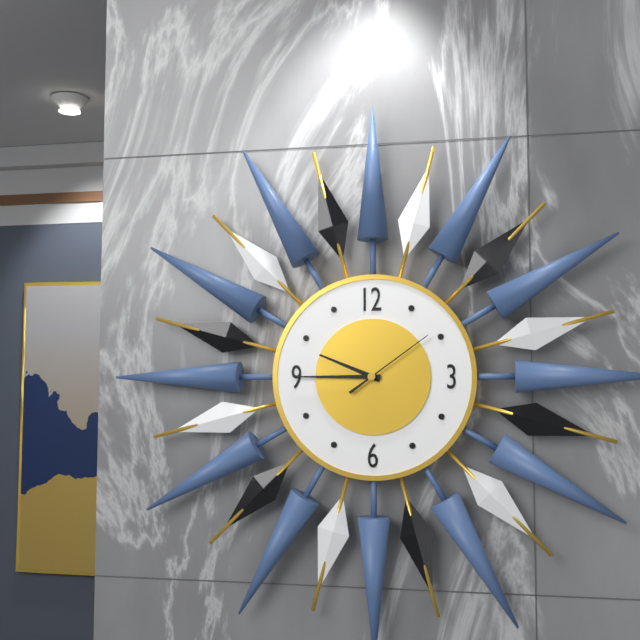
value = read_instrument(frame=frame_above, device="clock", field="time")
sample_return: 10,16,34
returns 9,45,09
